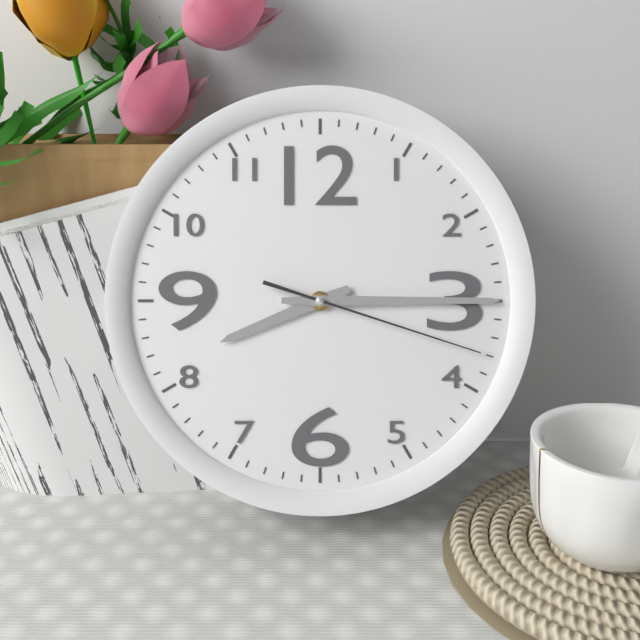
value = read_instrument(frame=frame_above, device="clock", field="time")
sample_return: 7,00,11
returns 8,15,18
